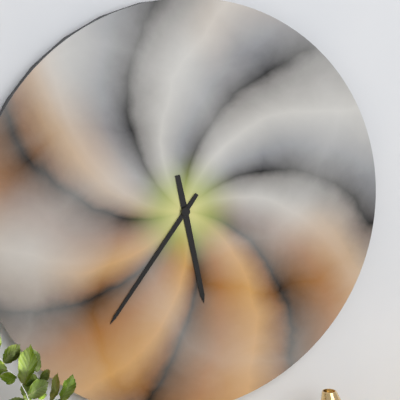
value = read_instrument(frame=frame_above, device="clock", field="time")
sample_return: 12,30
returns 5,36
